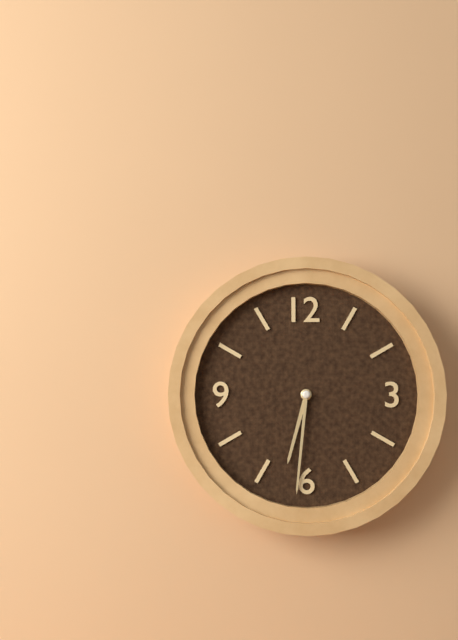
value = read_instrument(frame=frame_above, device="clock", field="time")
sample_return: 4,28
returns 6,31
